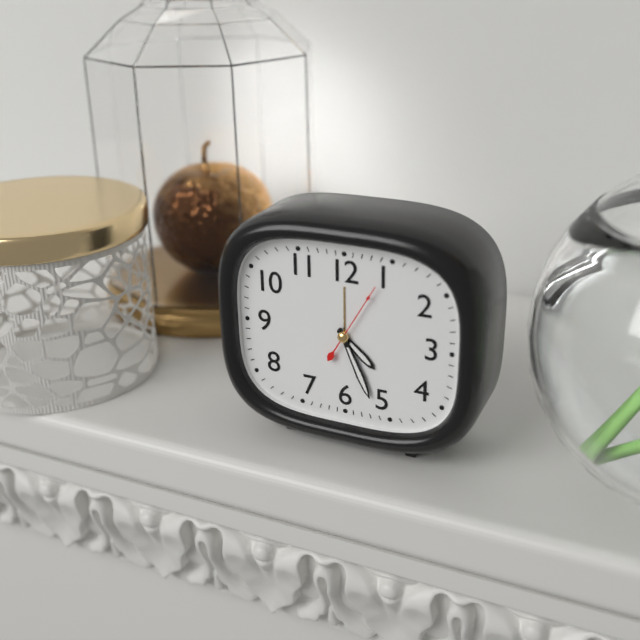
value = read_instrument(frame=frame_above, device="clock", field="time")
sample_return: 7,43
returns 4,26
